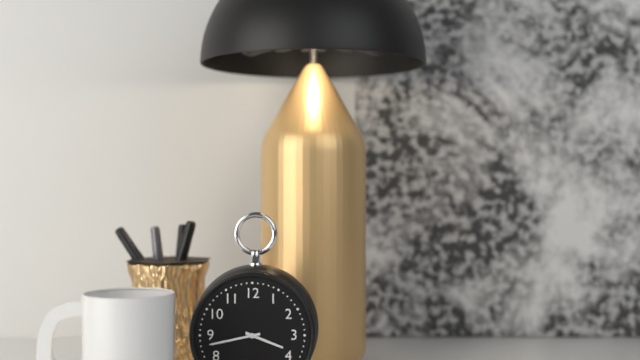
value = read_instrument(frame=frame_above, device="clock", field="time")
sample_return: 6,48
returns 3,43
